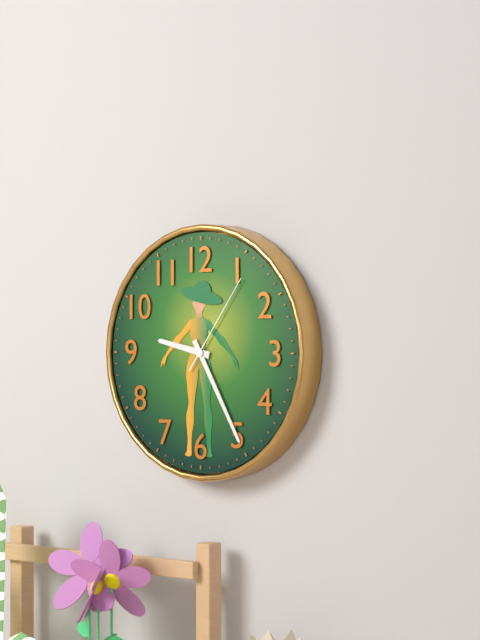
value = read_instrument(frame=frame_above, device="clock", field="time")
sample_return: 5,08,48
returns 9,25,06
